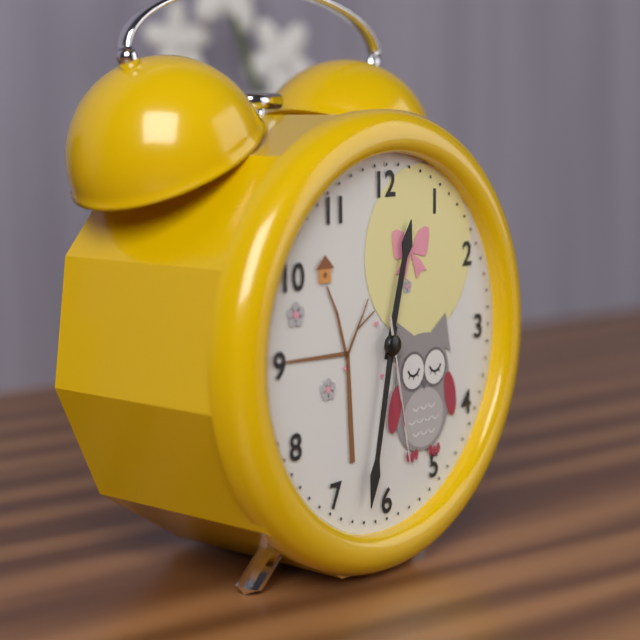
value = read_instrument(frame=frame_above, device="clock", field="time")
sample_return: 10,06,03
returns 12,32,28
